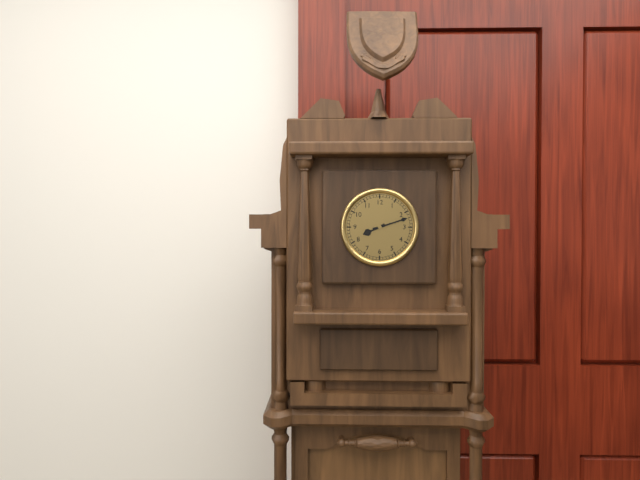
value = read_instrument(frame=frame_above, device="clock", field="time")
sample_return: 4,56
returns 8,12
